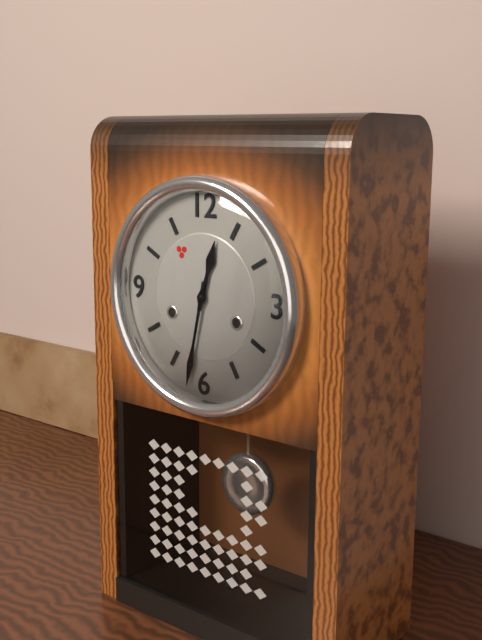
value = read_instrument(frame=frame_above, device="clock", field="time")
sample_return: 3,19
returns 12,32
